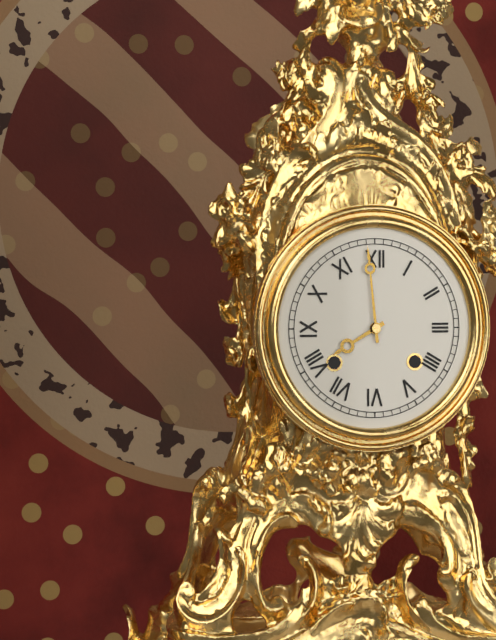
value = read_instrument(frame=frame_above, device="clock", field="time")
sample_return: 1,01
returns 7,59
